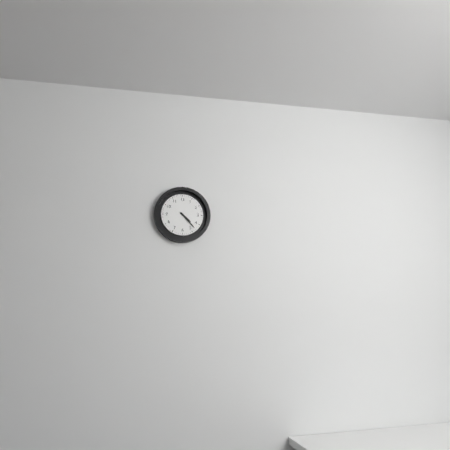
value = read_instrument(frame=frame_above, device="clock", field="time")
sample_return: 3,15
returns 4,23
